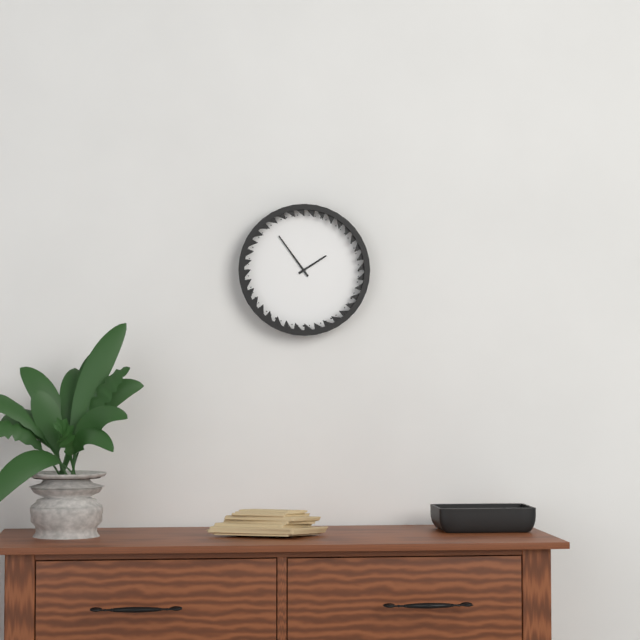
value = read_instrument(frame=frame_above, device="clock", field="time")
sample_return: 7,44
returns 1,54
